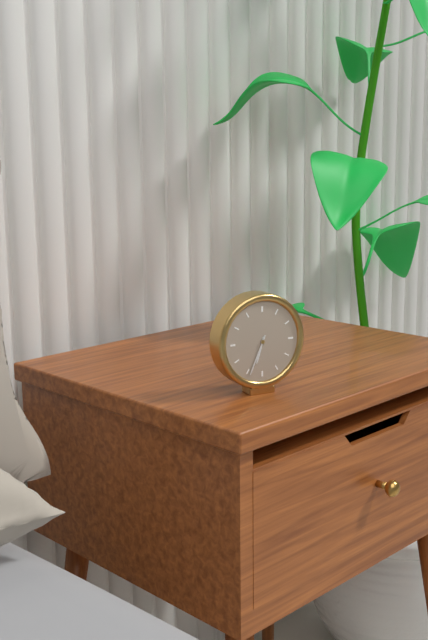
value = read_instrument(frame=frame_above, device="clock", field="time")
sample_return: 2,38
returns 6,34
